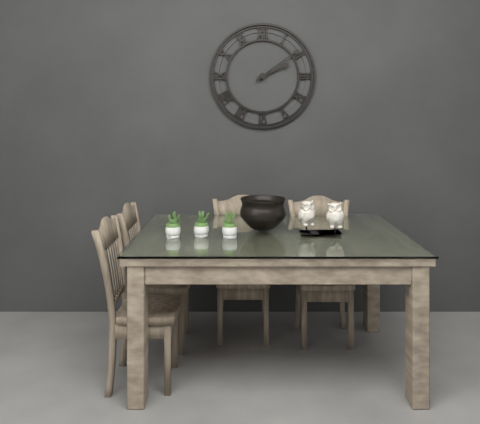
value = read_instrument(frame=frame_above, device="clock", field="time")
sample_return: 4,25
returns 2,09
